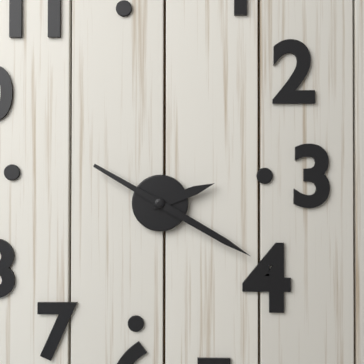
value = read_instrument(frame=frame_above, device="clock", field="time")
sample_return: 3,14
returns 2,20
